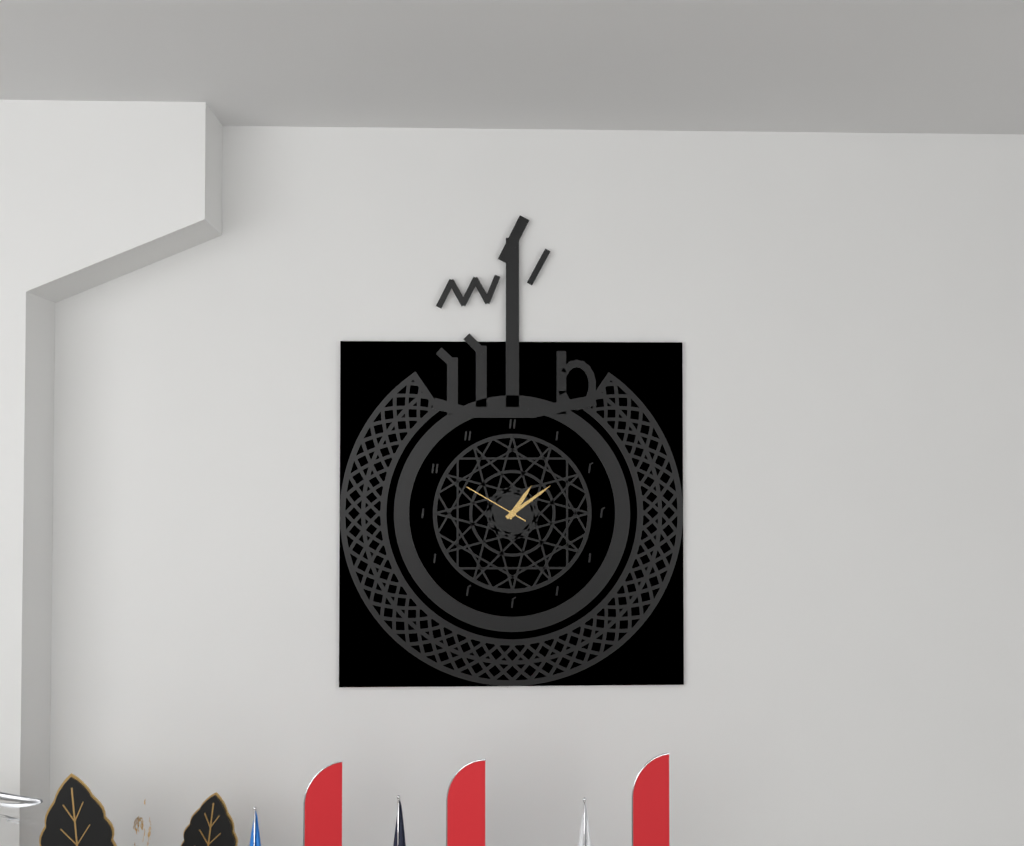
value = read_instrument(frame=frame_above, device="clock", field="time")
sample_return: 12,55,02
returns 1,09,50
